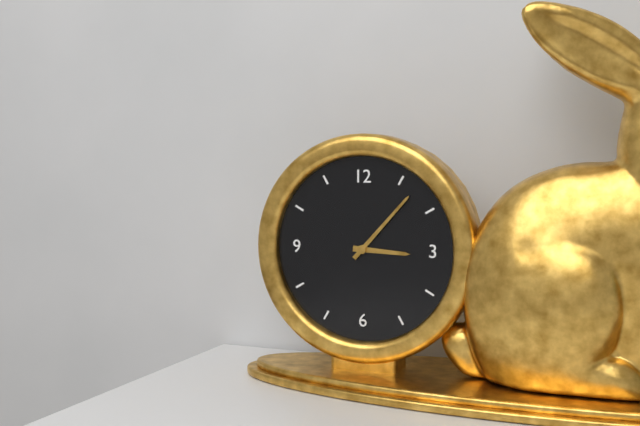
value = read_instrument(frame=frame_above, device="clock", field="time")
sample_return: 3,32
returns 3,07
